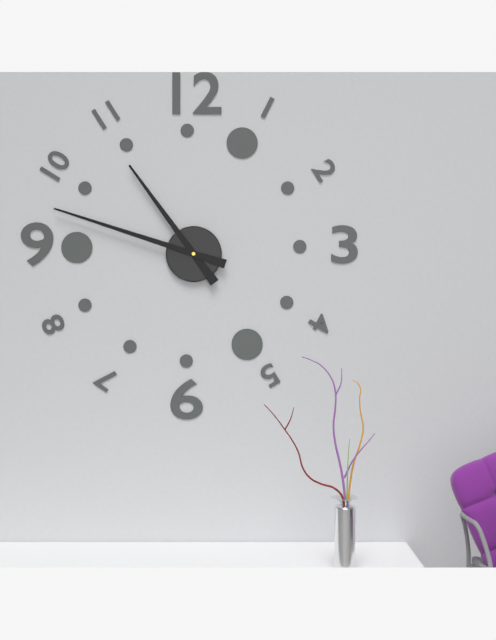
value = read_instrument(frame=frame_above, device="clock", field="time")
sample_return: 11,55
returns 10,48
